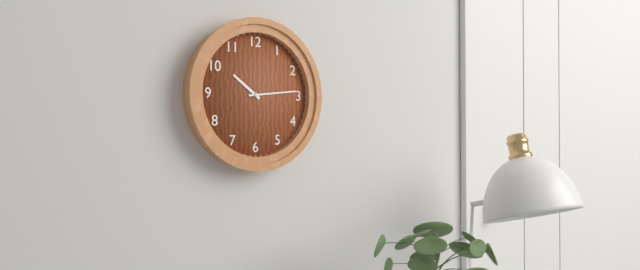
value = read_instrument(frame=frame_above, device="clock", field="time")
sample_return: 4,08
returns 10,14
